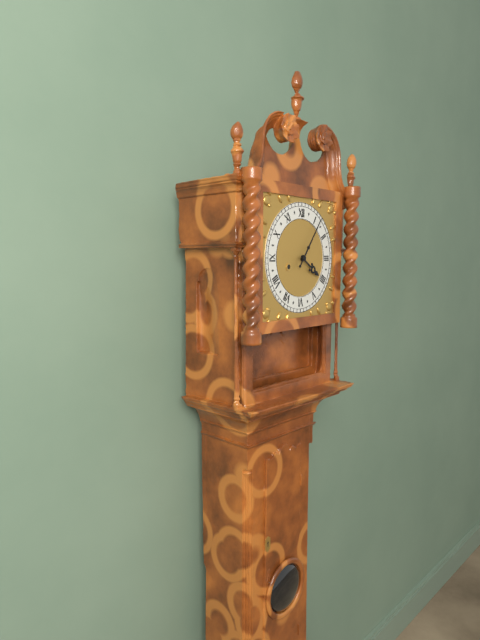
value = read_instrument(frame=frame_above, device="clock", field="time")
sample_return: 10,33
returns 4,06
